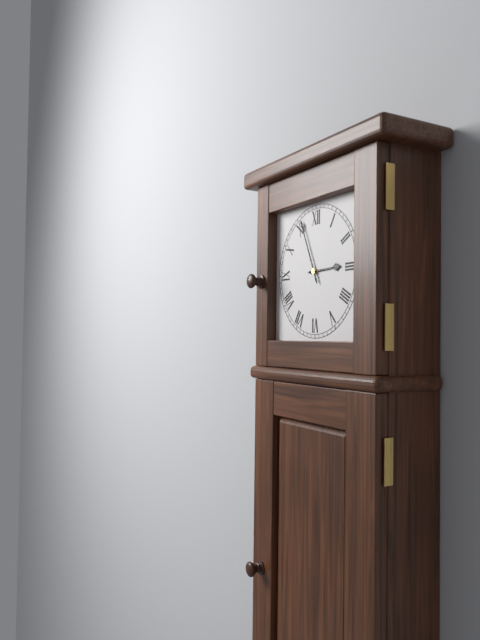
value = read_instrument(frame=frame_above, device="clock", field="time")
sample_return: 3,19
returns 2,56
